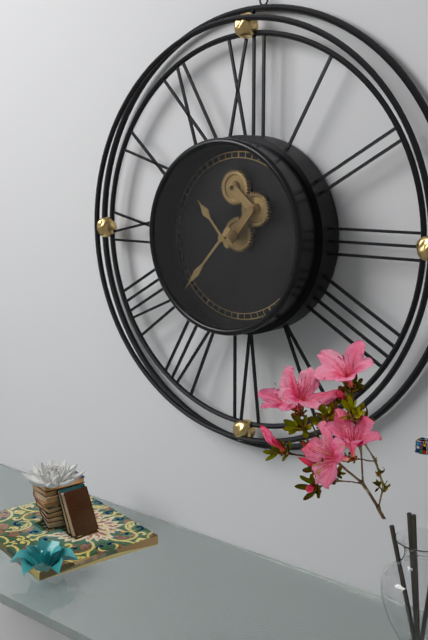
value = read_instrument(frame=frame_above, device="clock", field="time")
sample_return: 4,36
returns 10,37
